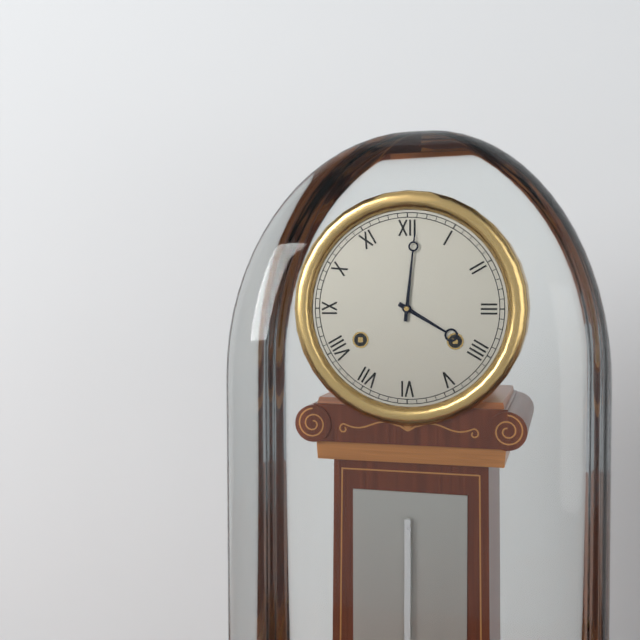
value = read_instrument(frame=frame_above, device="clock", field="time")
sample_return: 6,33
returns 4,01
